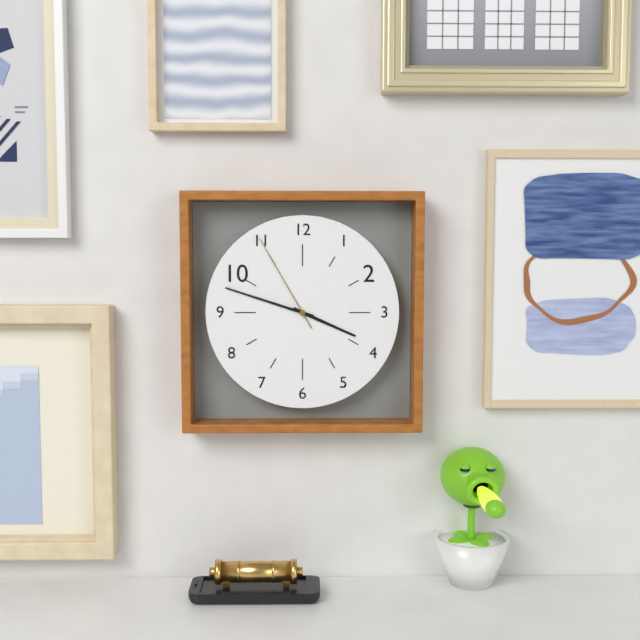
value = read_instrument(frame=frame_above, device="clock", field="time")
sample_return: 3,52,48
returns 3,48,55
